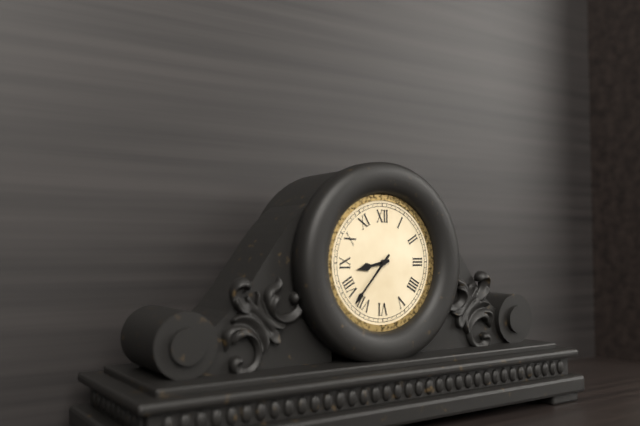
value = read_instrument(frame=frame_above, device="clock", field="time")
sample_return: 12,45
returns 8,37
